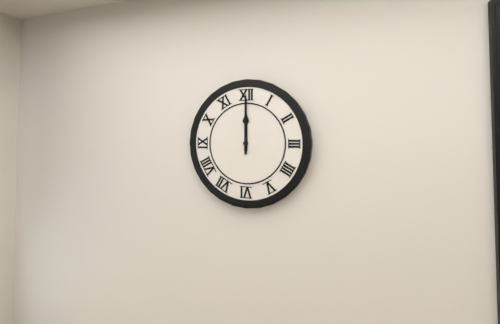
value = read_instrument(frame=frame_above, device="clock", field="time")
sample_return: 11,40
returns 12,00
